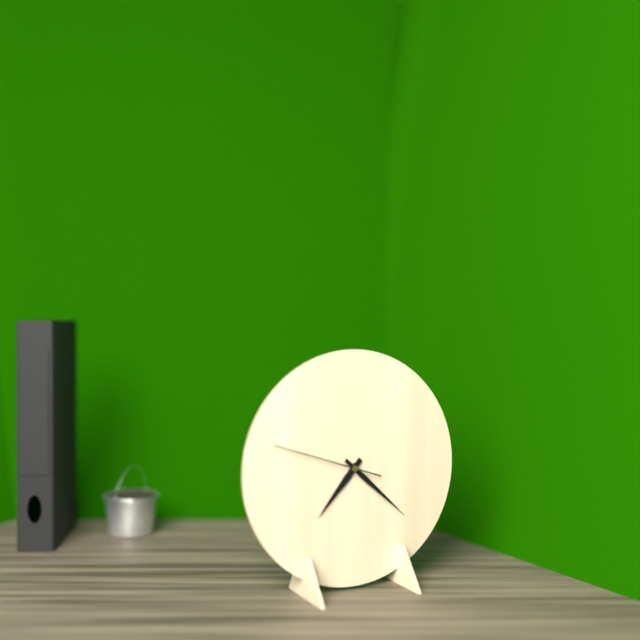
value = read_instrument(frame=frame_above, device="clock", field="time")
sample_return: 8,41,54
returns 7,22,48
